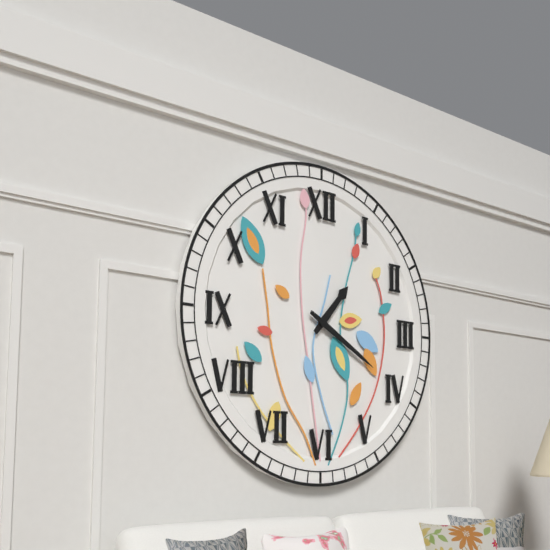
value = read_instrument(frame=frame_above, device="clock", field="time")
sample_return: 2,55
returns 1,20
